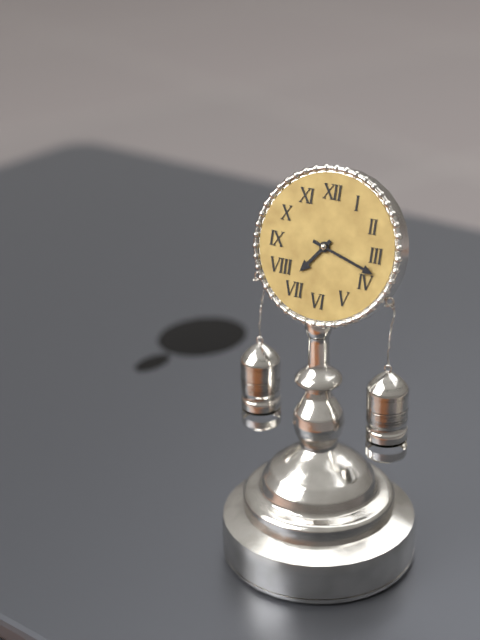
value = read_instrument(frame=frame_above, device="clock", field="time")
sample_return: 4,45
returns 7,18
